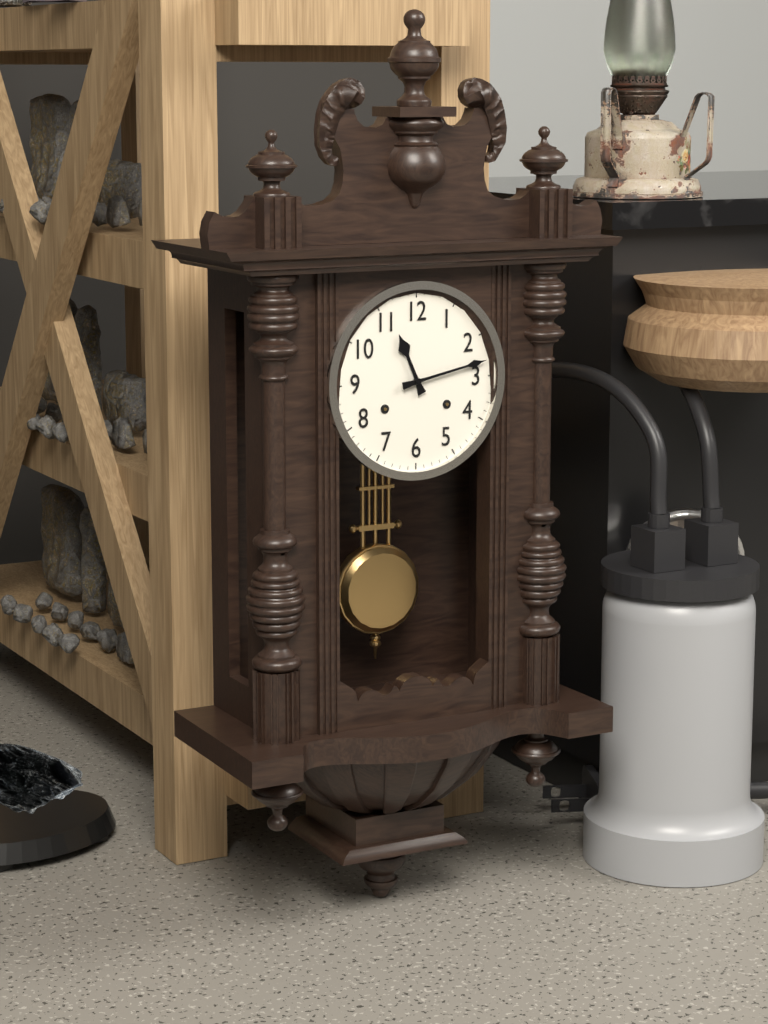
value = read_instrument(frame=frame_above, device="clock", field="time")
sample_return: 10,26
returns 11,13
